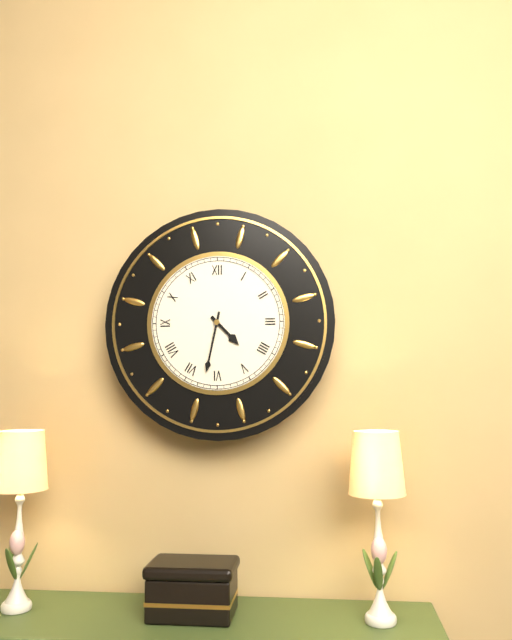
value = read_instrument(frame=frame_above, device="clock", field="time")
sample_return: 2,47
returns 4,32
